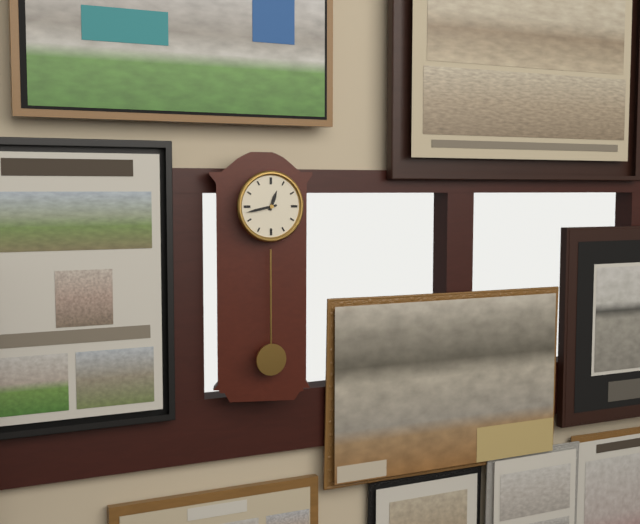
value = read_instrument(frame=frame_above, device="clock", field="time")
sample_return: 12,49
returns 12,43
